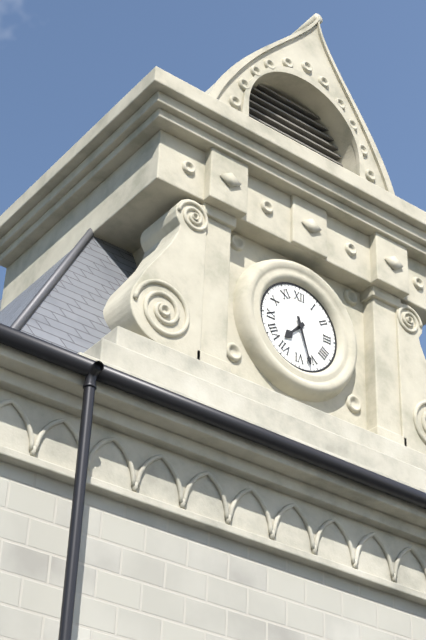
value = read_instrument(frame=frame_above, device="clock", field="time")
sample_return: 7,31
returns 7,27
